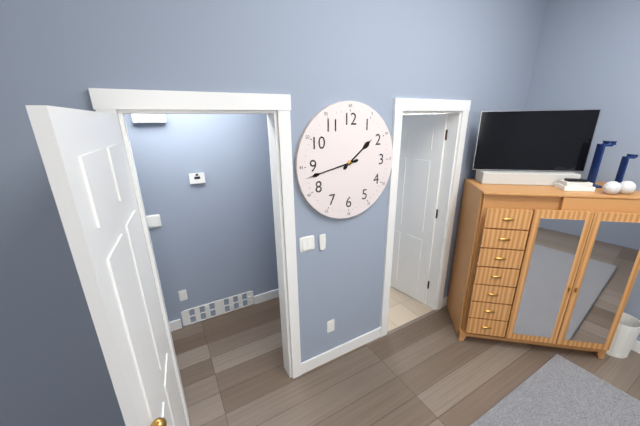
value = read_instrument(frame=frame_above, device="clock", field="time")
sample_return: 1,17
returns 1,43
